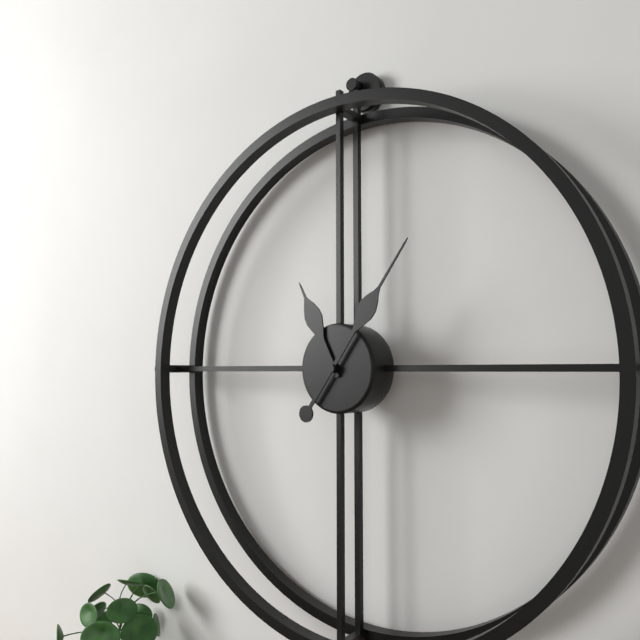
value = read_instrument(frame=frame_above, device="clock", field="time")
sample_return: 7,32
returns 11,06
